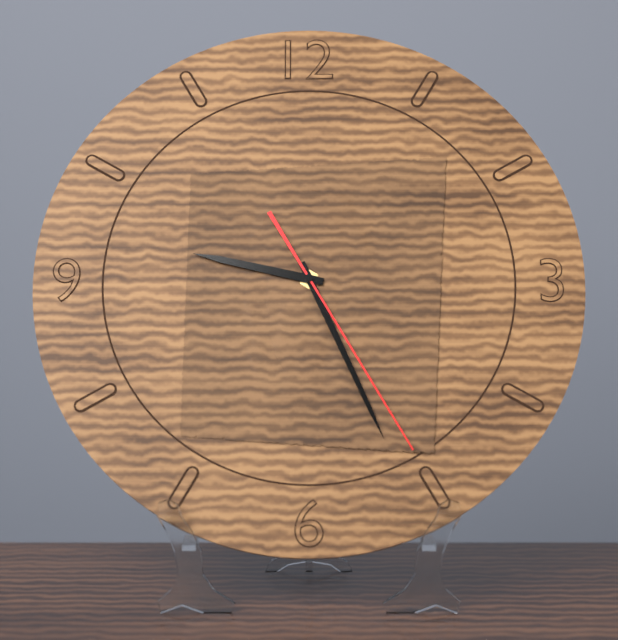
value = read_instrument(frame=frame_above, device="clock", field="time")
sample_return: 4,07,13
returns 9,26,25
